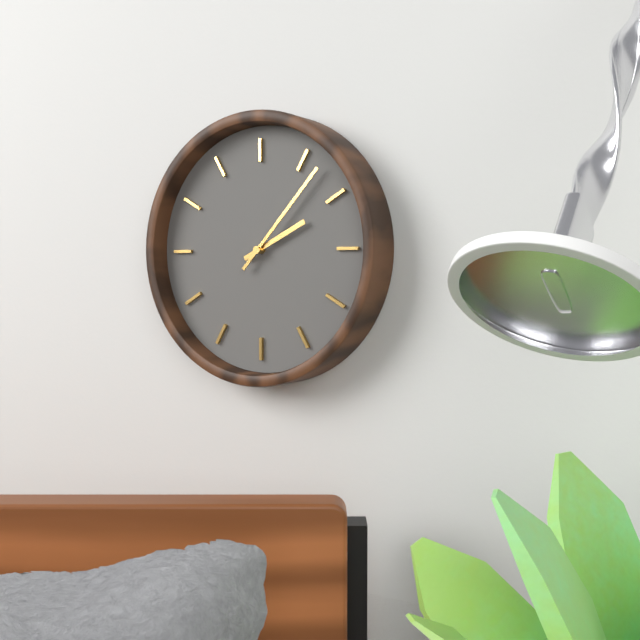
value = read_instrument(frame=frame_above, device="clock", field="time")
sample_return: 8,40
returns 2,07
